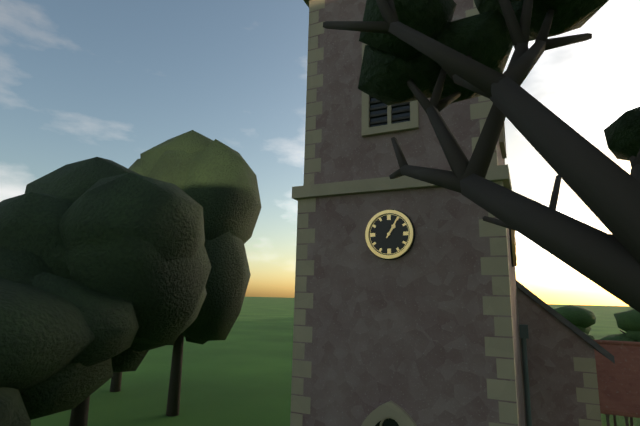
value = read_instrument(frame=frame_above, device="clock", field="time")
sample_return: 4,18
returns 1,05
